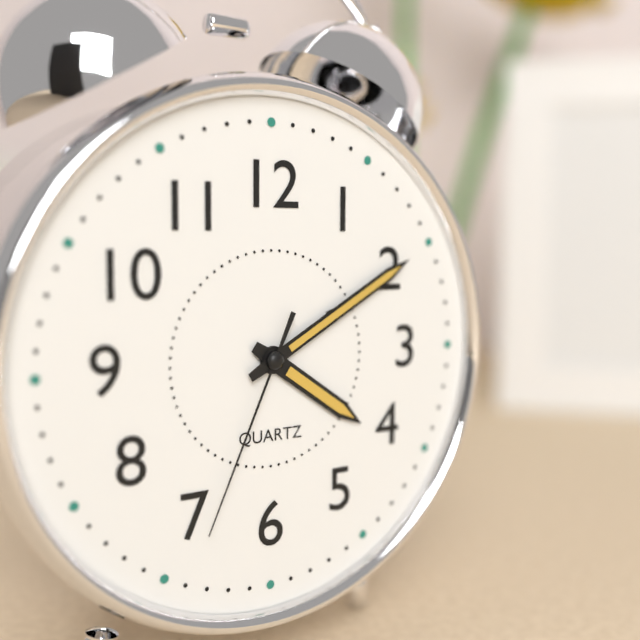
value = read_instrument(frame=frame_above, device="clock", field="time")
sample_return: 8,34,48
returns 4,10,34
